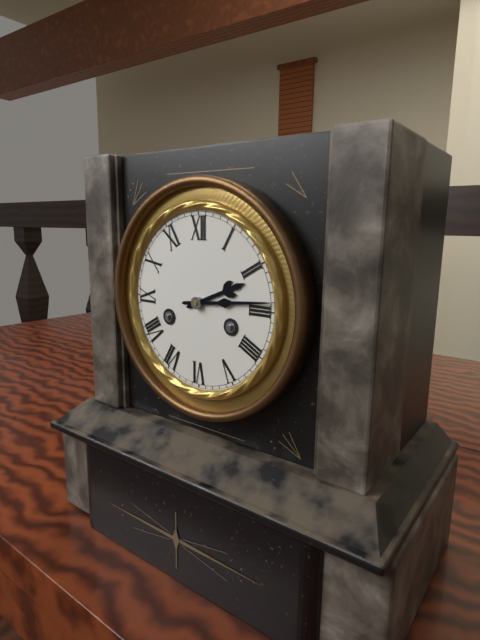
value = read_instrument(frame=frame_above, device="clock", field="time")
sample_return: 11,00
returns 2,14
